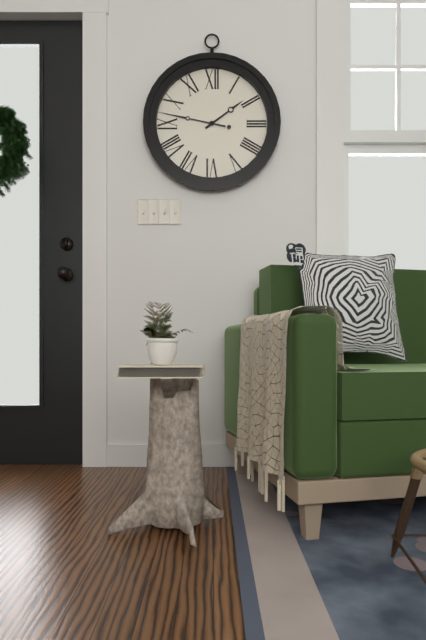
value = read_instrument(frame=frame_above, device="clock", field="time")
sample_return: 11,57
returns 1,47
